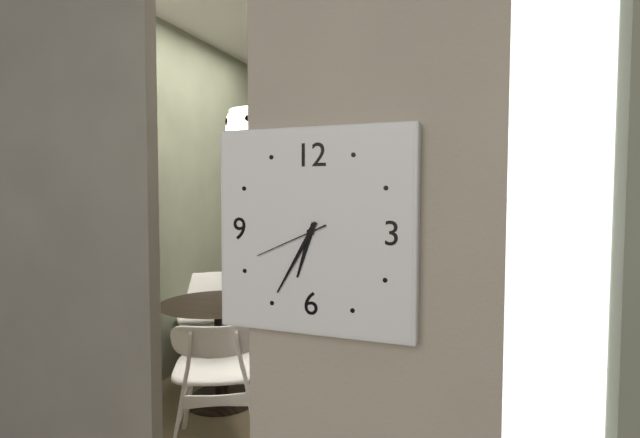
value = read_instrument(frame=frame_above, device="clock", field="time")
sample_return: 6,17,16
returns 6,35,41
